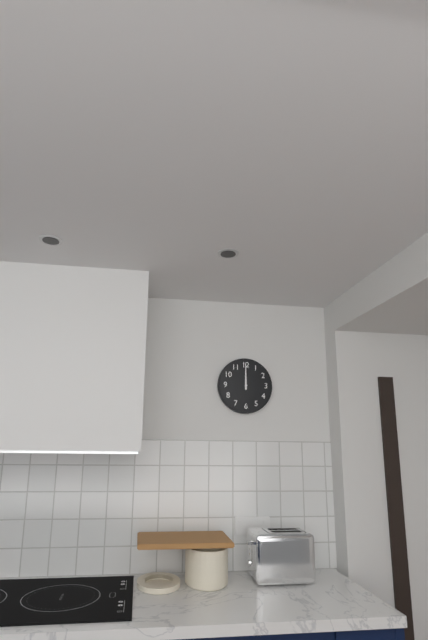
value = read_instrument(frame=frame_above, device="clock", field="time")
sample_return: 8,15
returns 12,00
